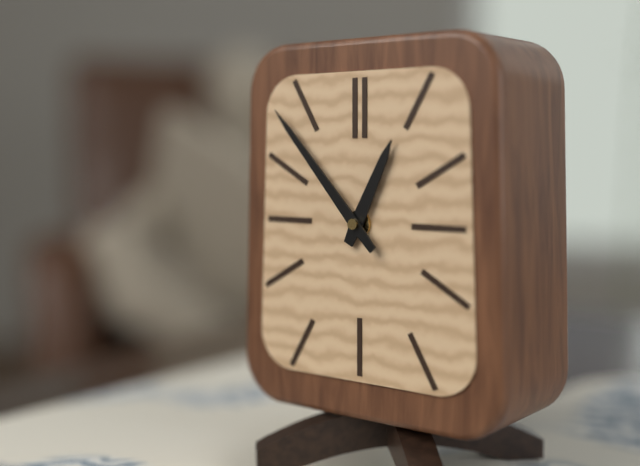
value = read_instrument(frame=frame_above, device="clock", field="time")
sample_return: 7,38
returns 12,53
